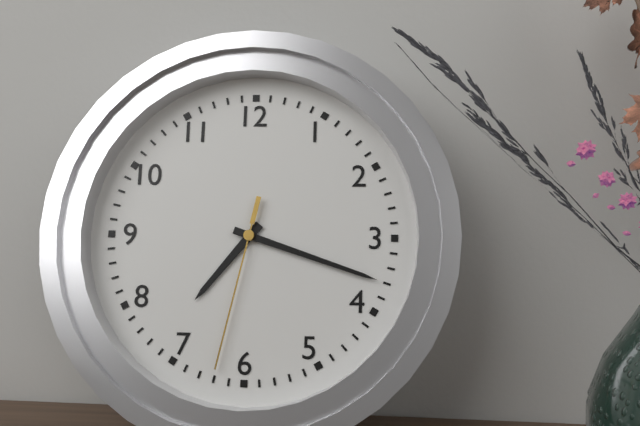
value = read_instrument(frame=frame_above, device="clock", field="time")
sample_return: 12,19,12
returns 7,18,32
